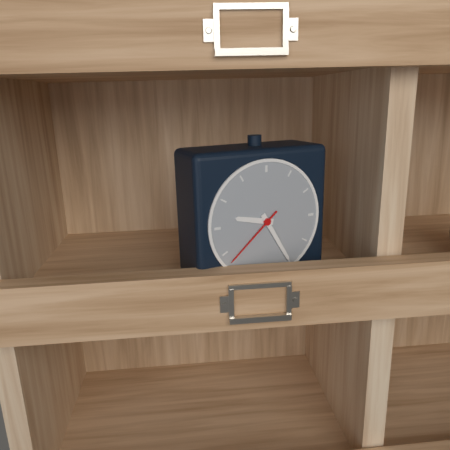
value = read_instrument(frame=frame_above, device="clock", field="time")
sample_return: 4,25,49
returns 9,25,38
